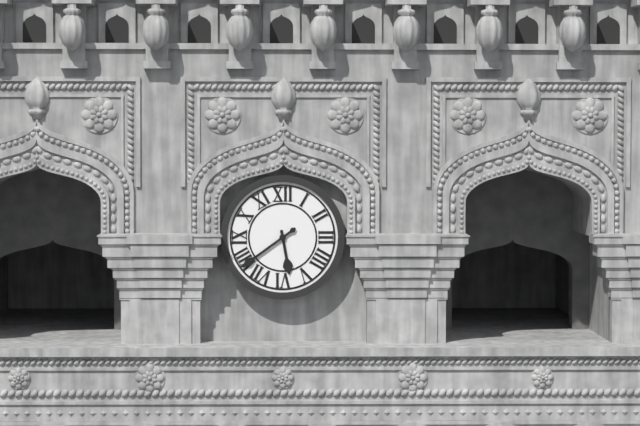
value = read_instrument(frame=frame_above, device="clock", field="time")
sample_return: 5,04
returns 5,39
